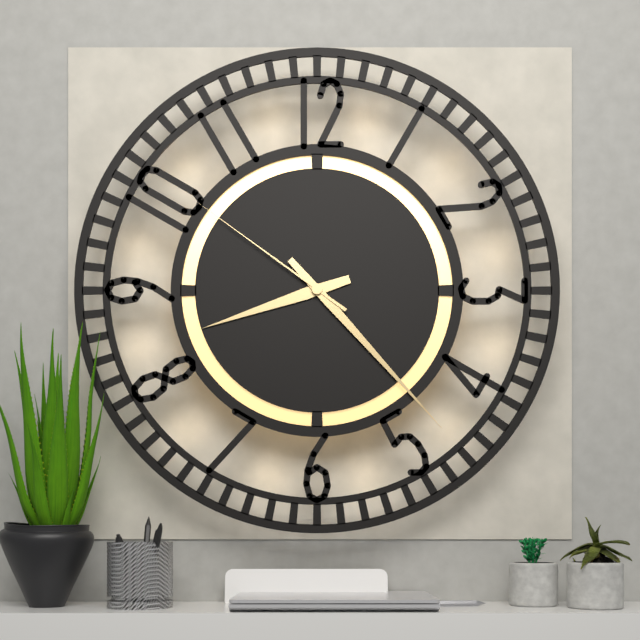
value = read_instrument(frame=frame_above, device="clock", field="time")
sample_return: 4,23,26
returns 8,23,51
